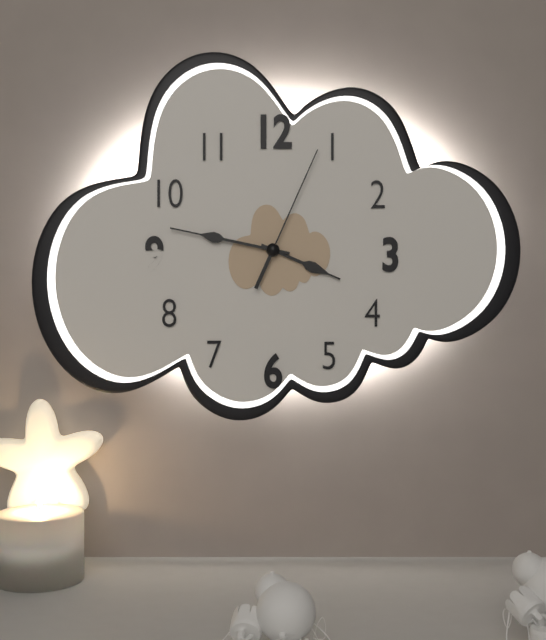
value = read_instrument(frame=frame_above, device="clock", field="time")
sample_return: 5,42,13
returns 3,47,04
